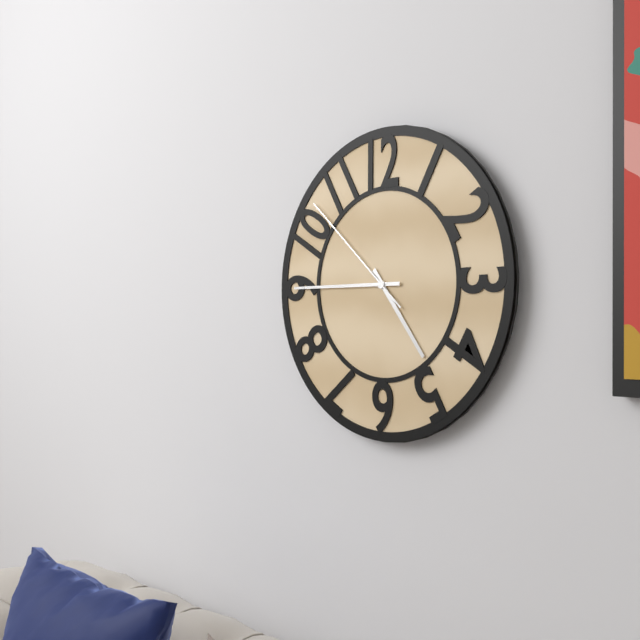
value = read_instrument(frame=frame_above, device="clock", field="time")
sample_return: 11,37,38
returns 4,45,52
